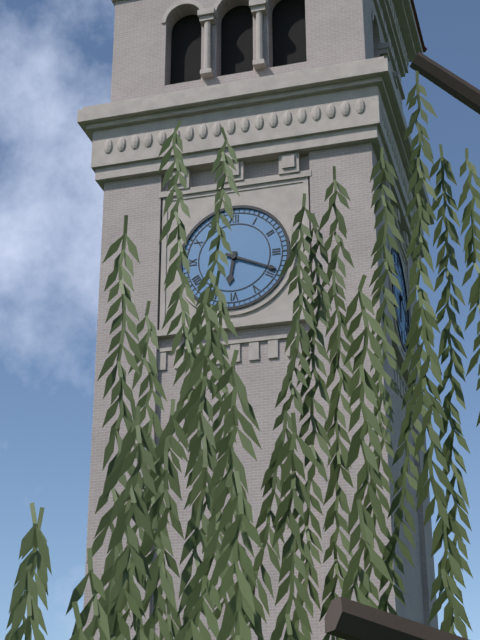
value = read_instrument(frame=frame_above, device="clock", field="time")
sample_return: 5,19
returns 6,19
